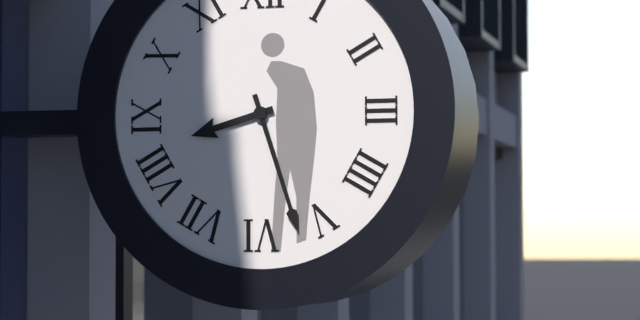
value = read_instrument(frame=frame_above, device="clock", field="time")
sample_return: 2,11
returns 8,27
